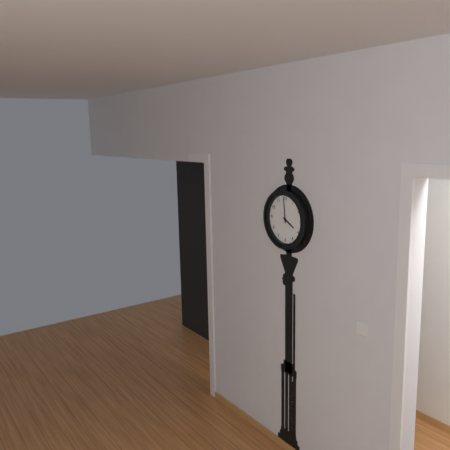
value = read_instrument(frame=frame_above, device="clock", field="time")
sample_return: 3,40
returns 3,59
